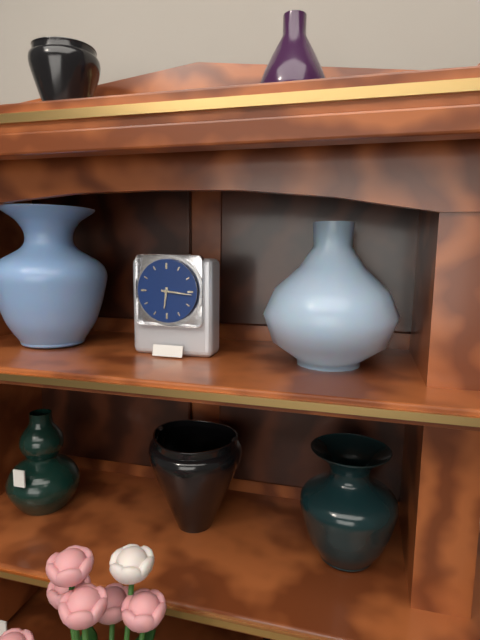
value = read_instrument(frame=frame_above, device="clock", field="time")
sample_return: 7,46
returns 6,16
